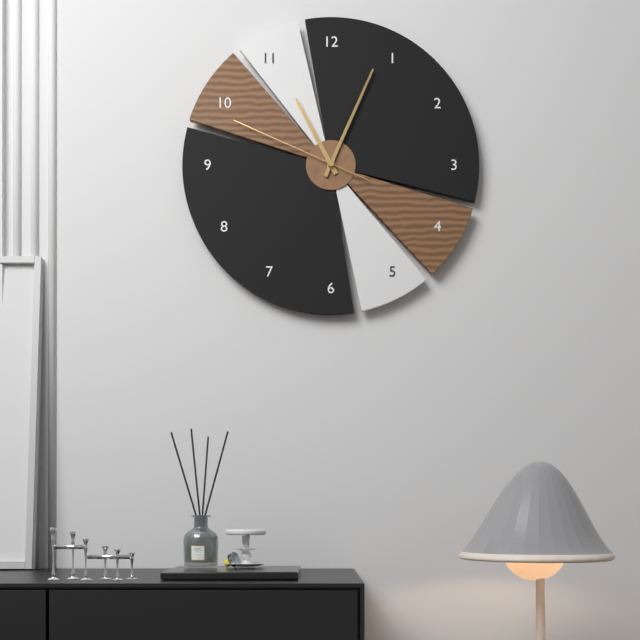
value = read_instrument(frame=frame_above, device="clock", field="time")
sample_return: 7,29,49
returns 11,04,49
